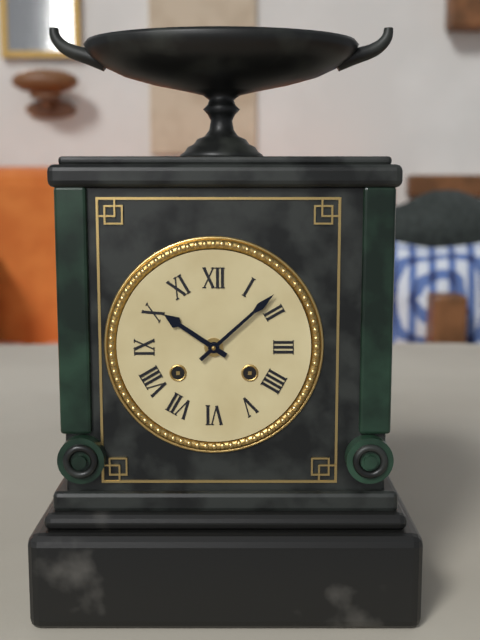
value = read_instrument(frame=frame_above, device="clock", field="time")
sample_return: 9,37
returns 10,08
